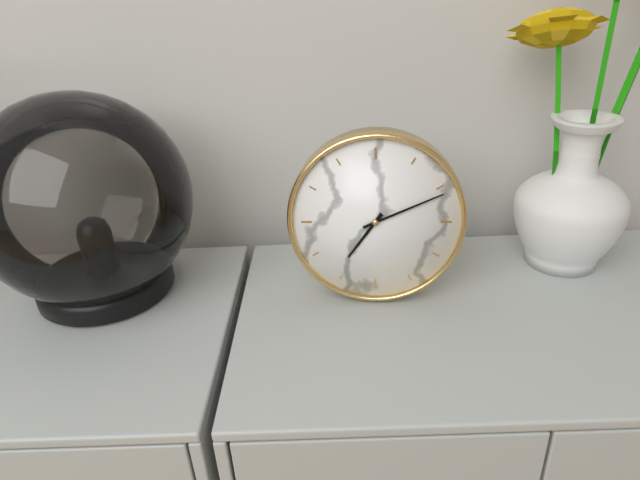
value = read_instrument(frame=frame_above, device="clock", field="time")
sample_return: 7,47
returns 7,11
